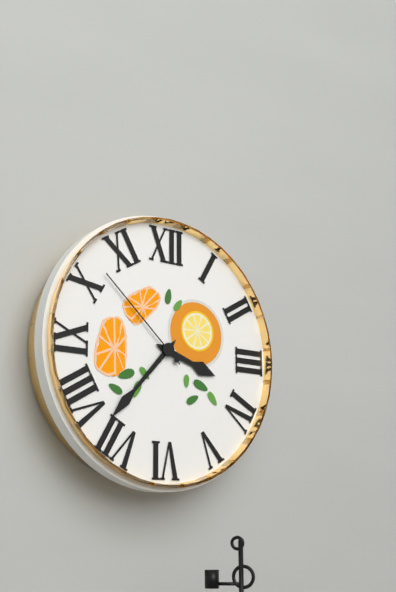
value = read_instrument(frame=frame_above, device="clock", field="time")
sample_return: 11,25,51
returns 3,37,52
